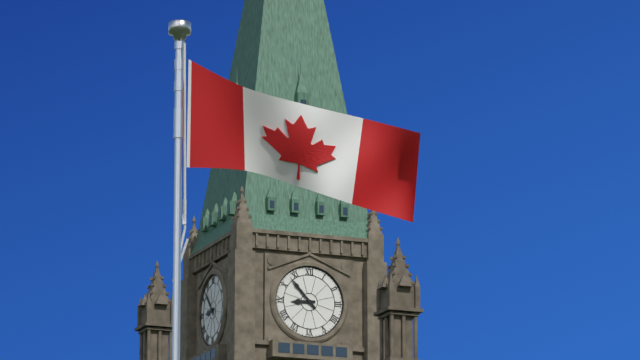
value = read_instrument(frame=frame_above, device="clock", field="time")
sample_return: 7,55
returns 8,53
